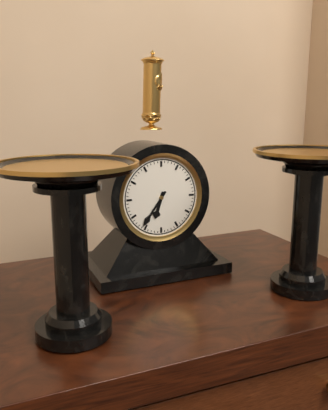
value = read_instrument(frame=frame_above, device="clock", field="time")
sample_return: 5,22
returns 6,36
